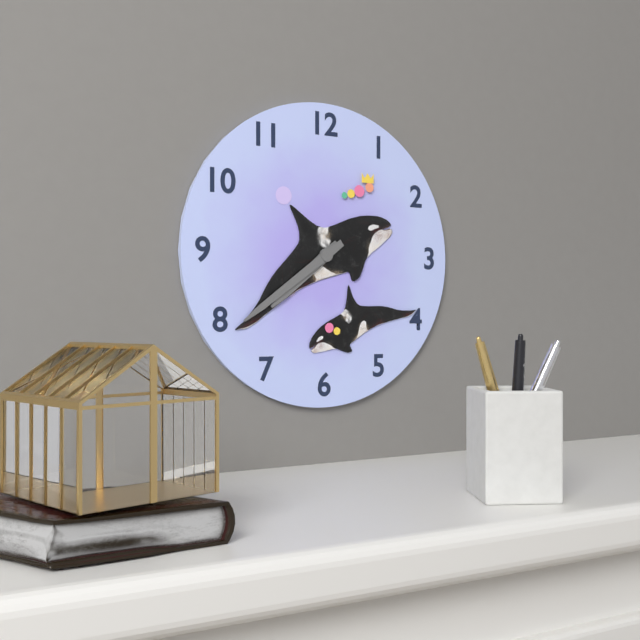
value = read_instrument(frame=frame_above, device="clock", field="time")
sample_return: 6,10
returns 7,39
